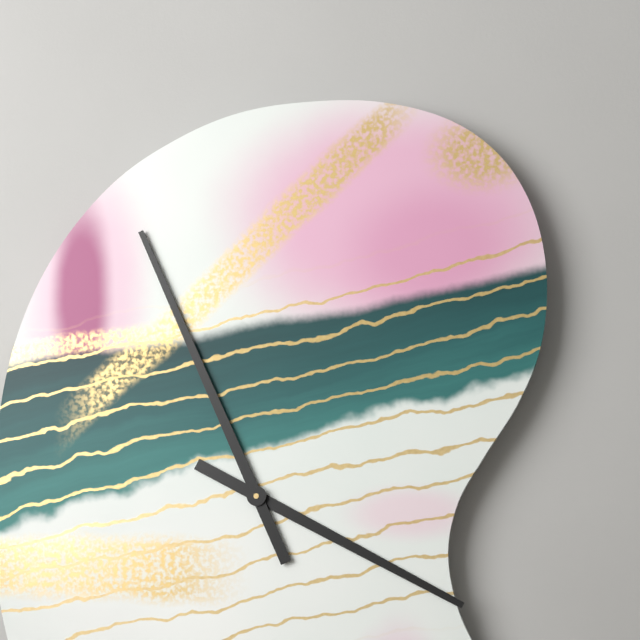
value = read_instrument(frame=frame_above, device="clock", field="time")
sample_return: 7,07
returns 3,56
